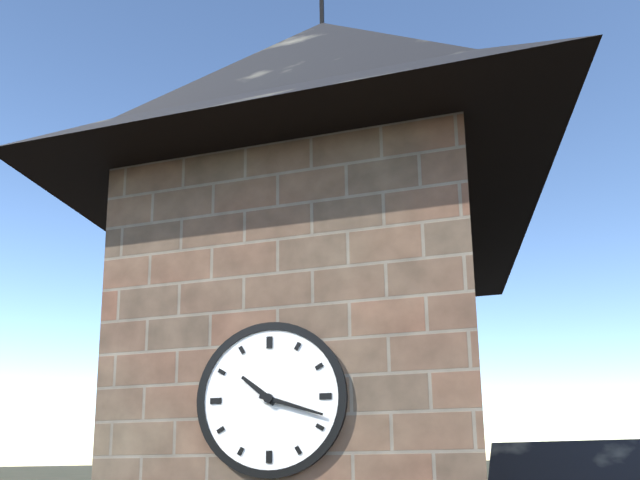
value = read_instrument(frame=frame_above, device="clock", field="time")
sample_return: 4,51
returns 10,18
